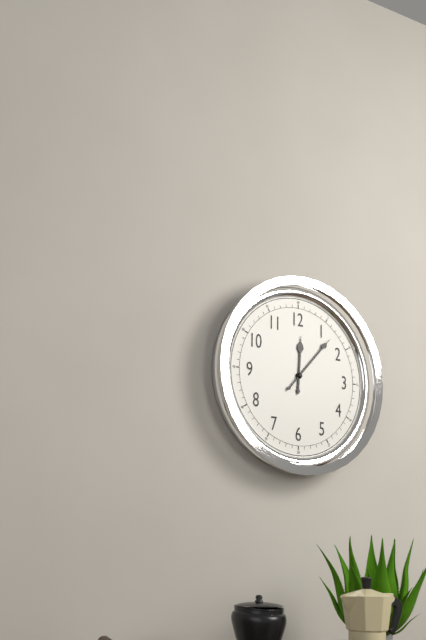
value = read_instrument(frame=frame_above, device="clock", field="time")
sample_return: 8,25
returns 12,07
